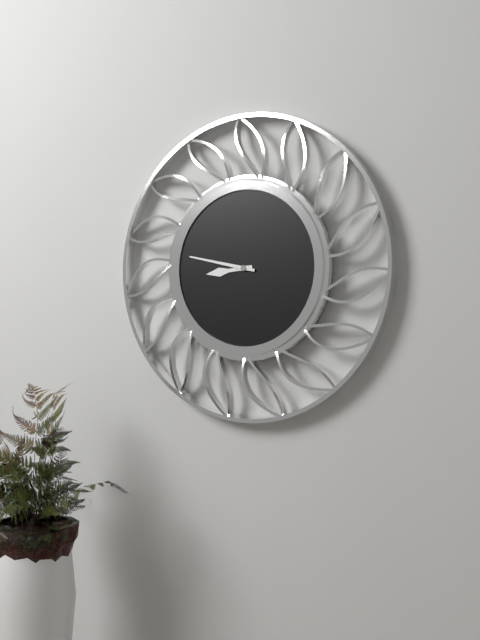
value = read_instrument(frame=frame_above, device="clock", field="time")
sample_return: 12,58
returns 8,47
